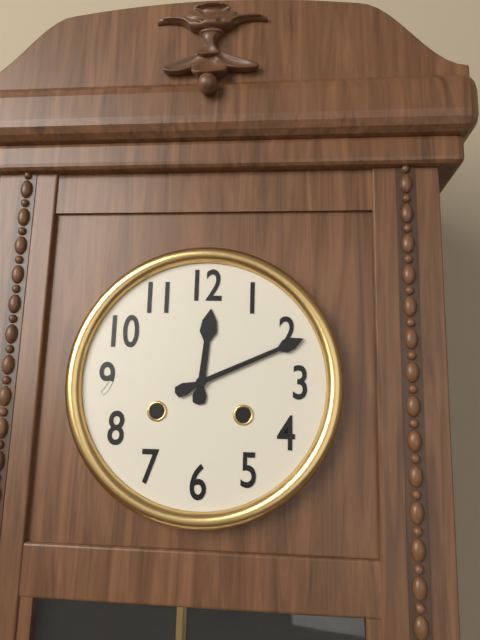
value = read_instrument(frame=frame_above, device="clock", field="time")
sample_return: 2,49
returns 12,11
